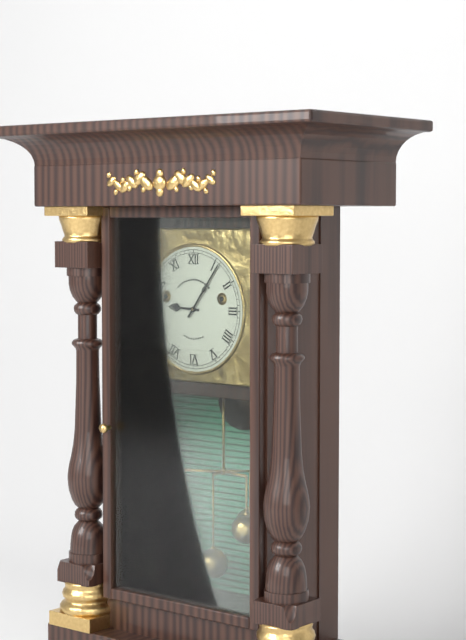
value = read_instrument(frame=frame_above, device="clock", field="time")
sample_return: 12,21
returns 9,06
